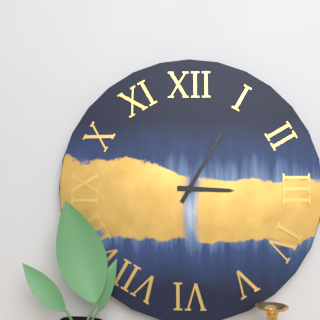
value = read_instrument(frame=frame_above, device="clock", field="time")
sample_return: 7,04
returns 3,05
